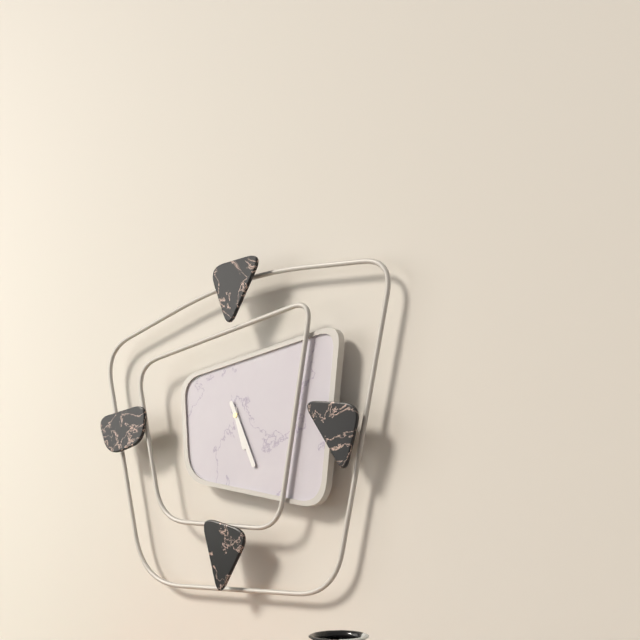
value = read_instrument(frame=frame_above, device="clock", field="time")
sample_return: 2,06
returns 5,26
